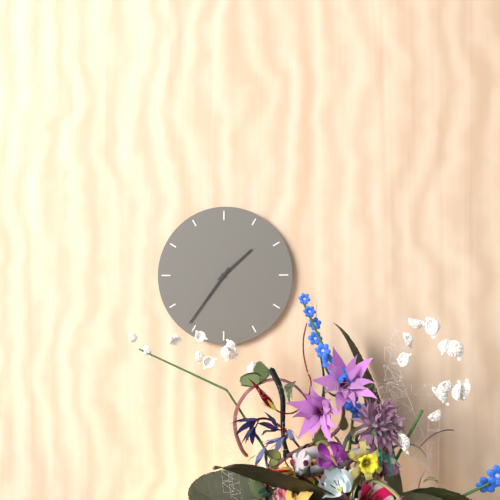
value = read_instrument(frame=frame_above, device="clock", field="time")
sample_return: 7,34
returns 1,36
